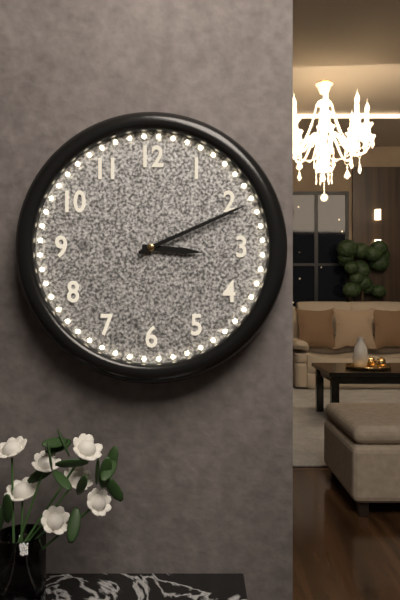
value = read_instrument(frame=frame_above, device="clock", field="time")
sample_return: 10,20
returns 3,11
